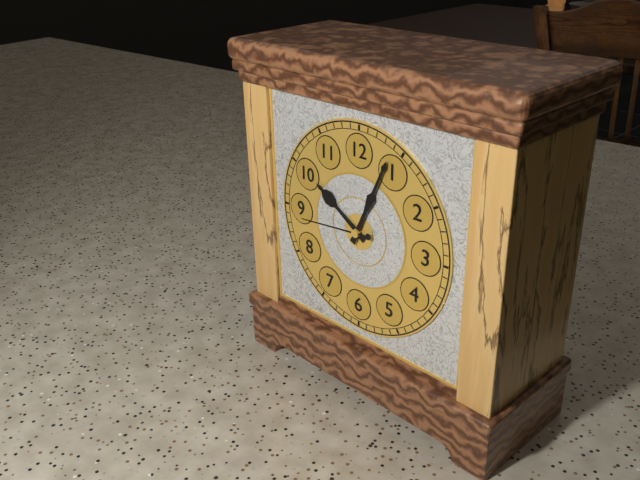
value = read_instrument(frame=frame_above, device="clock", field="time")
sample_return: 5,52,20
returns 10,04,44
